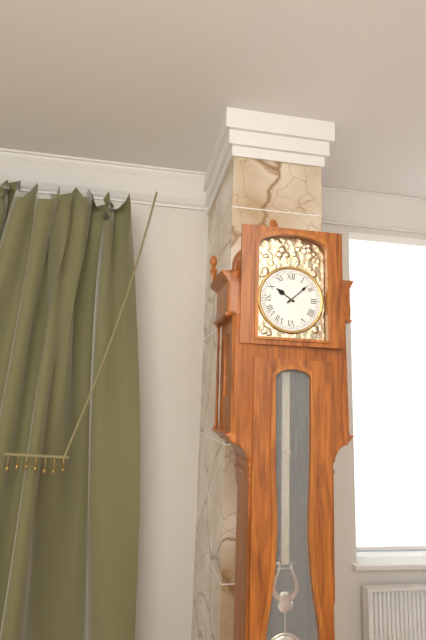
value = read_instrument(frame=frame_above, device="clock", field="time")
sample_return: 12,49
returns 10,08
